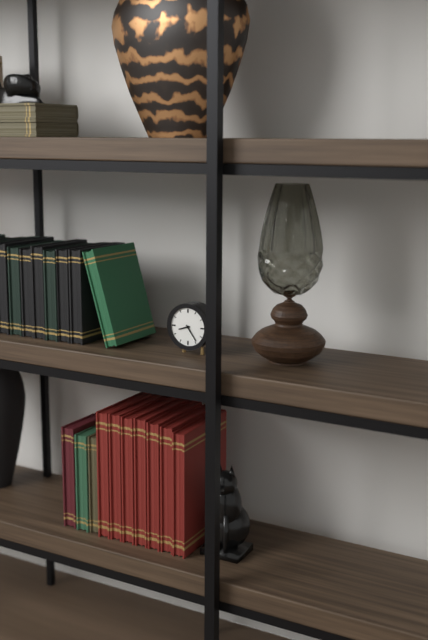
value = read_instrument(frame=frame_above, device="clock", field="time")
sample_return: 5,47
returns 8,24
